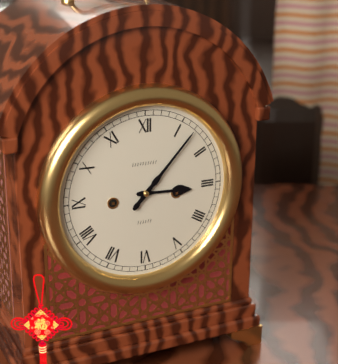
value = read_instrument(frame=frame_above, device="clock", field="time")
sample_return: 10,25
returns 3,07
